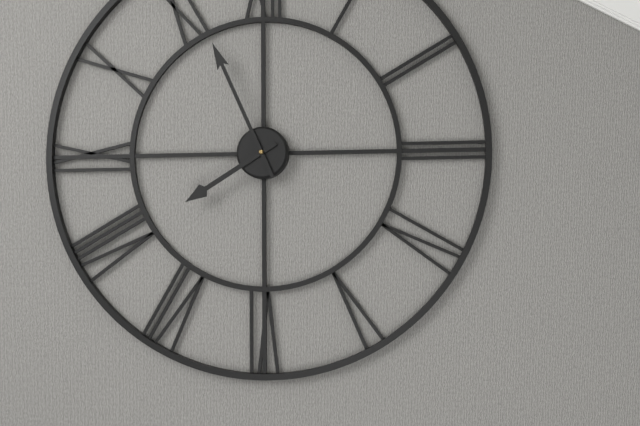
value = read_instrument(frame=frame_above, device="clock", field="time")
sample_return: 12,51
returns 7,56
